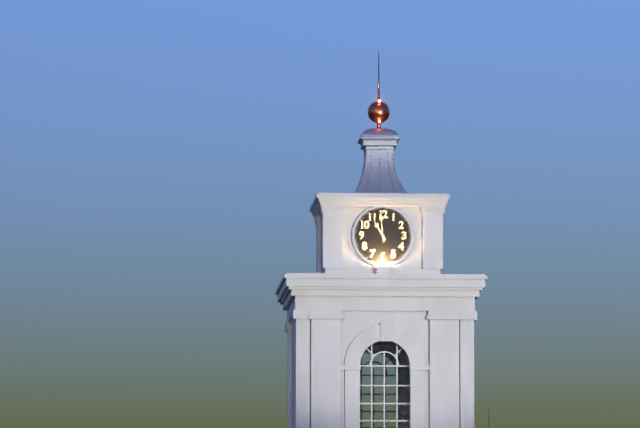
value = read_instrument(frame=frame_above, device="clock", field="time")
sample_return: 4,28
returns 10,59
